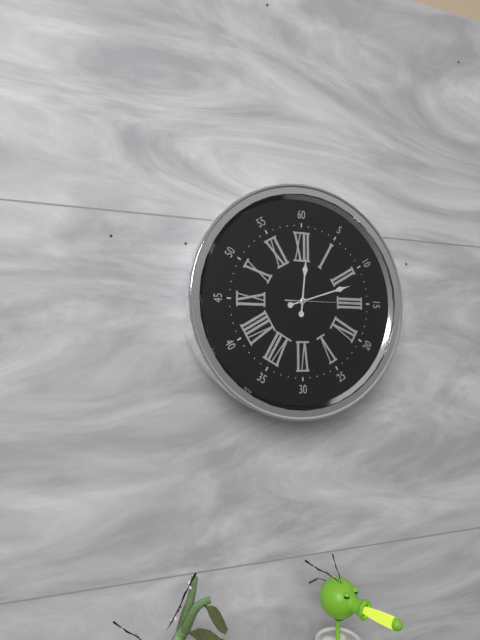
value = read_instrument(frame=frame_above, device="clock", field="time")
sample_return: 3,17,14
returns 12,12,15
